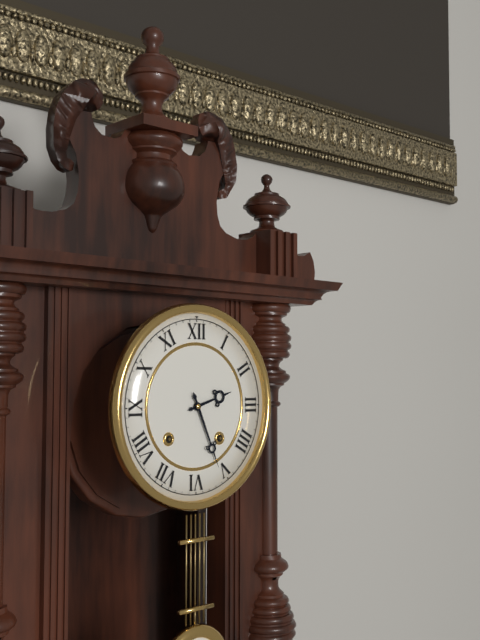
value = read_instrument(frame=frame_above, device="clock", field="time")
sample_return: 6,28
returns 2,26
